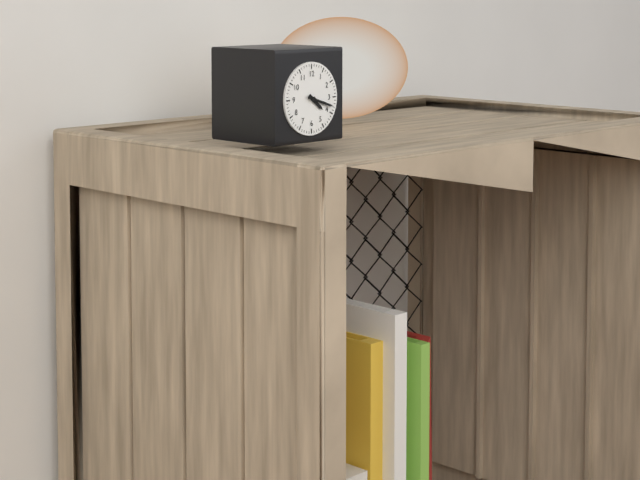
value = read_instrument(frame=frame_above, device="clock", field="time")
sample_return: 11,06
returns 4,18
